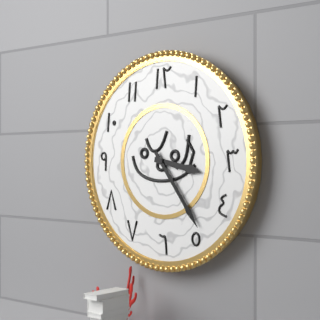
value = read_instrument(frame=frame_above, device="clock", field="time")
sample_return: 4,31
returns 3,24
